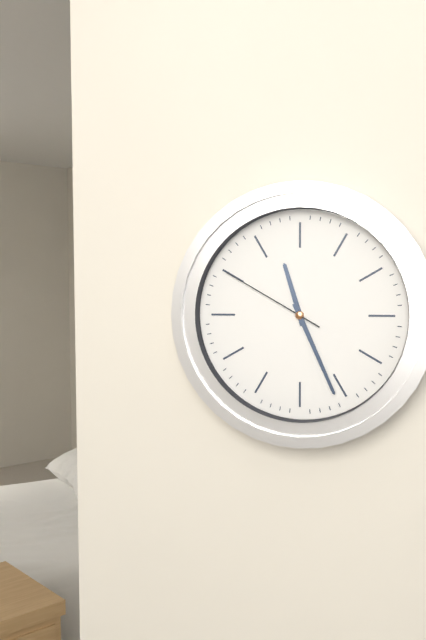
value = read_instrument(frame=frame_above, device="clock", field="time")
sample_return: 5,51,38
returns 11,26,50
